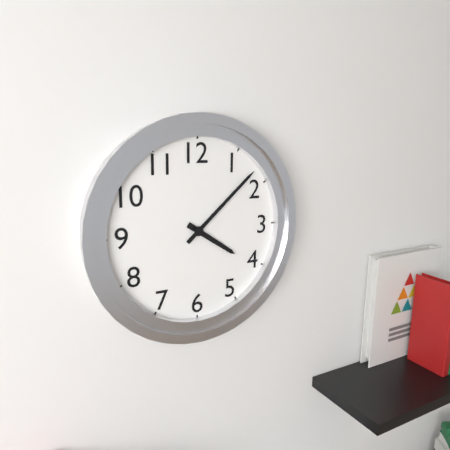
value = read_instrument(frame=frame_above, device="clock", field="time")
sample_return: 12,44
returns 4,08
